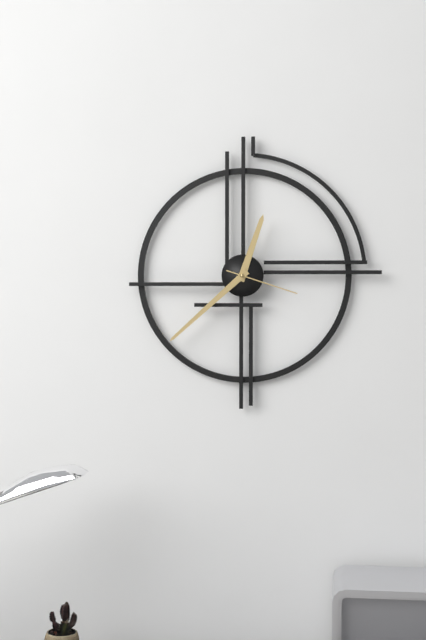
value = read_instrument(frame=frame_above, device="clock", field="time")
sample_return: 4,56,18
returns 12,38,18
